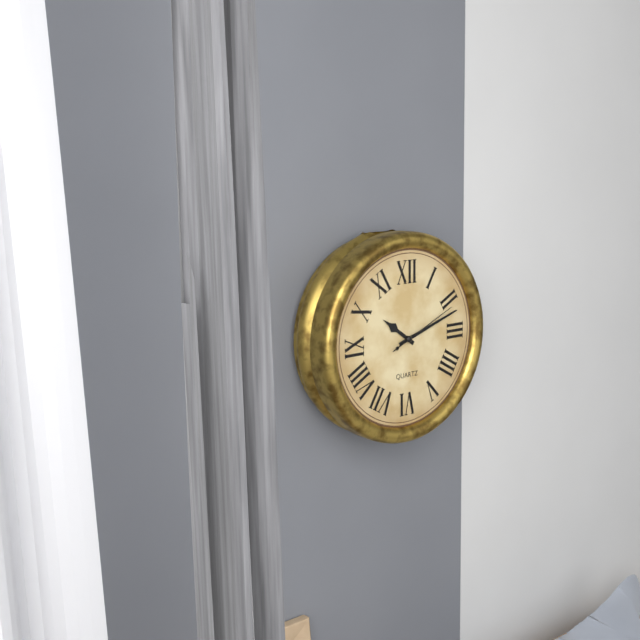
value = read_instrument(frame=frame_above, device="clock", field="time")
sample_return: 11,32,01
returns 10,12,11
